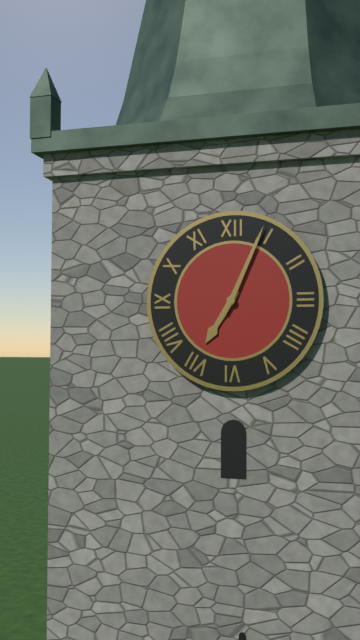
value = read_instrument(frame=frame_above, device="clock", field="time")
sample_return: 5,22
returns 7,04
